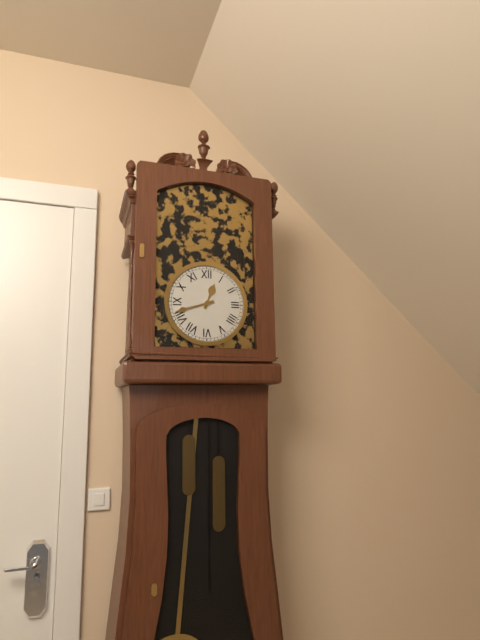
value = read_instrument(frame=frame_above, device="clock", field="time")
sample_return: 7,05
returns 12,42
